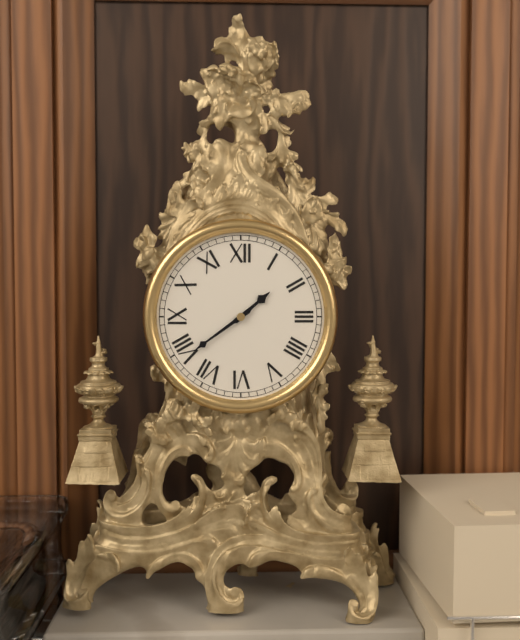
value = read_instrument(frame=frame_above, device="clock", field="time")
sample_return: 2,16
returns 1,39
